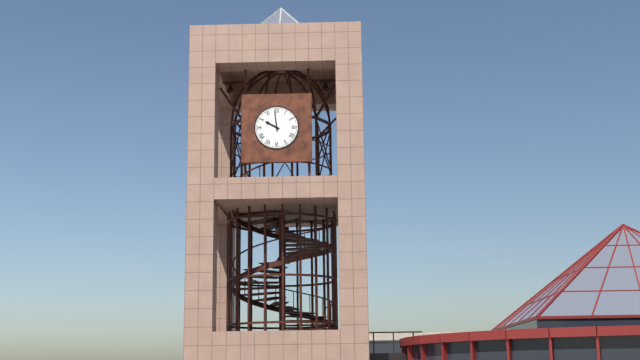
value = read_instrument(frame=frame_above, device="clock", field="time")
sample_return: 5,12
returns 9,59
